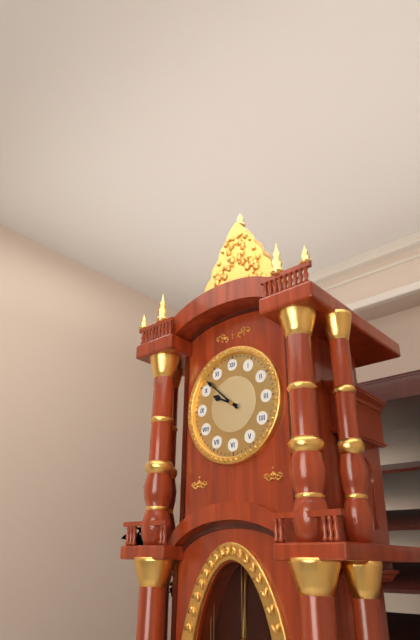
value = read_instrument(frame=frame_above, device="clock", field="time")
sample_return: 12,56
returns 9,52
